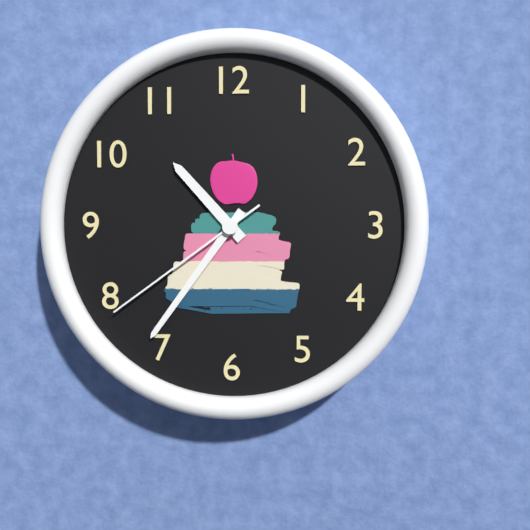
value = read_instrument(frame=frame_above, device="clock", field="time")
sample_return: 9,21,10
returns 10,36,39
